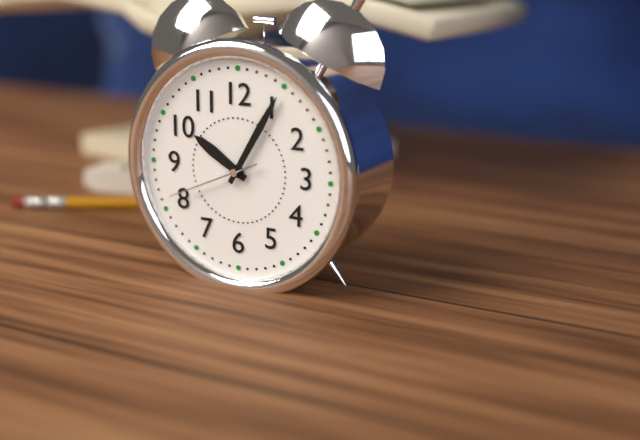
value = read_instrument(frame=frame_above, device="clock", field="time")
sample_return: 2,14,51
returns 10,05,41
